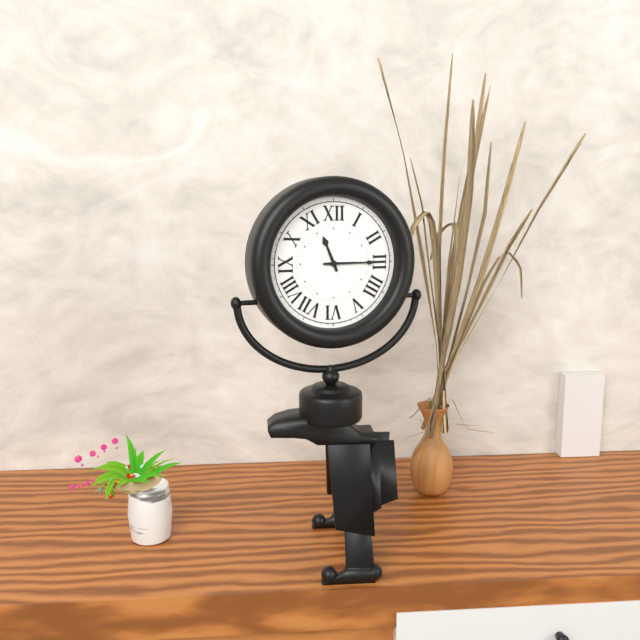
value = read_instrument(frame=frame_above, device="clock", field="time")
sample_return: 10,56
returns 11,15
